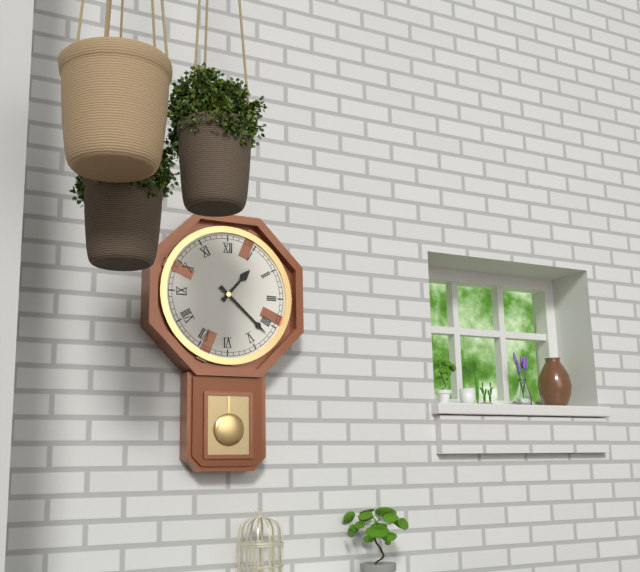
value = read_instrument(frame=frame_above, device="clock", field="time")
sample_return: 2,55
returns 1,22
